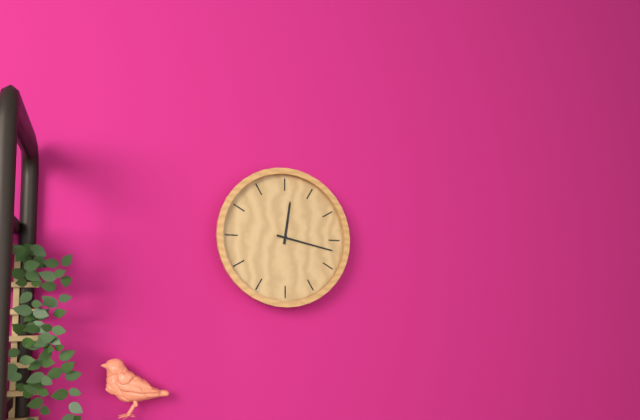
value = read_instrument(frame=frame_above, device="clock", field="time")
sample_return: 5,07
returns 12,17
